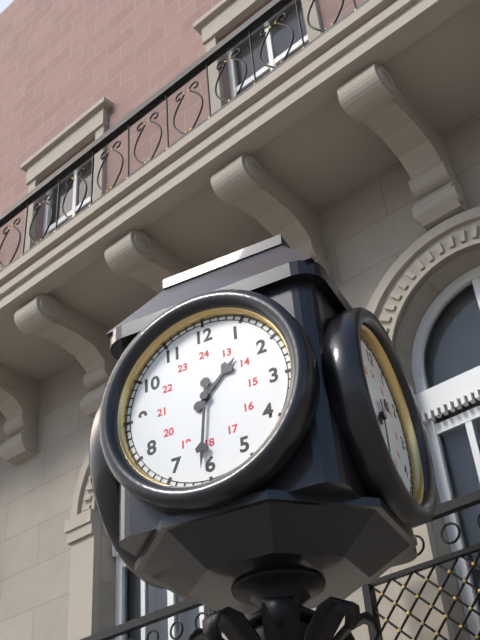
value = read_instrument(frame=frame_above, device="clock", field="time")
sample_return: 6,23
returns 1,31
